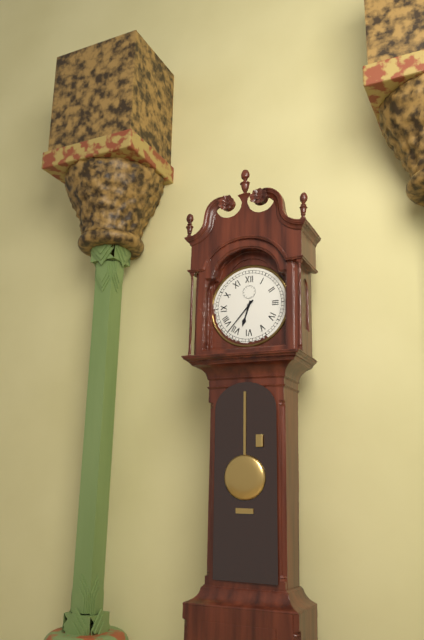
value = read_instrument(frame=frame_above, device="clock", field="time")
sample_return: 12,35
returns 6,37
